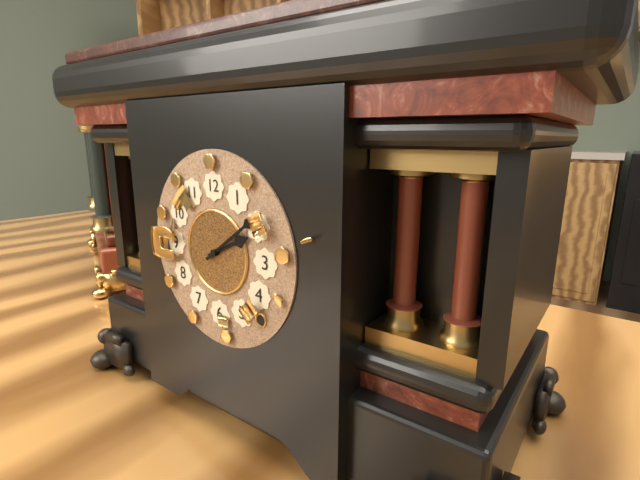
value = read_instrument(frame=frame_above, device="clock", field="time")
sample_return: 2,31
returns 2,09
